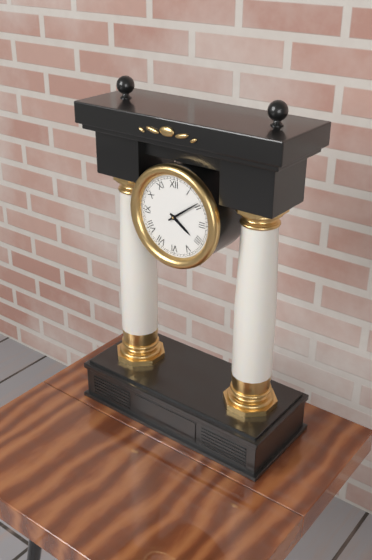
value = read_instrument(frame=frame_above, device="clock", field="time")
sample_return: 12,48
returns 4,09
